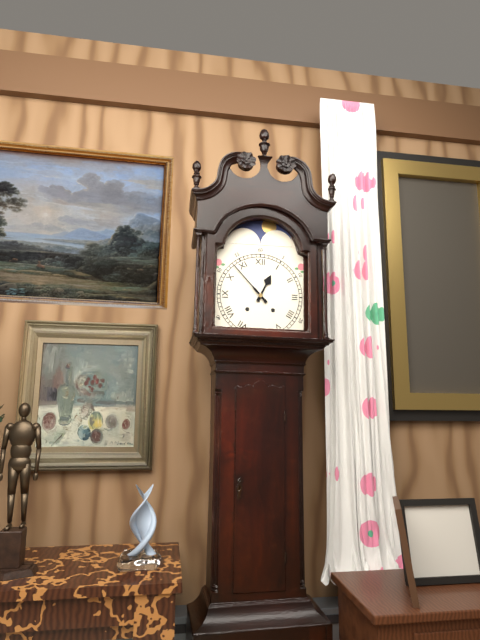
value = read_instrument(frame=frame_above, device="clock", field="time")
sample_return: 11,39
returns 12,53
